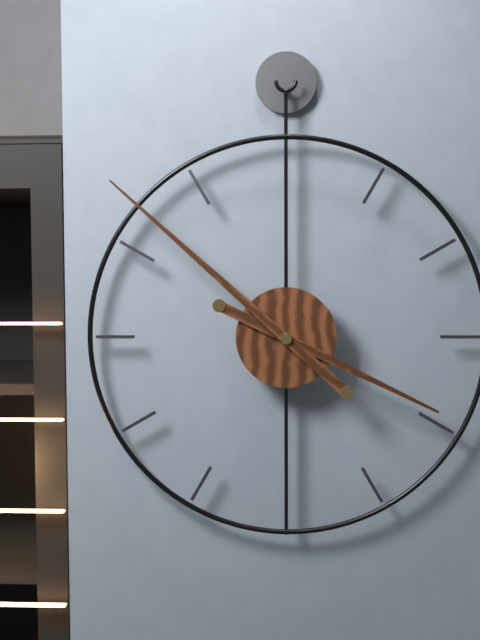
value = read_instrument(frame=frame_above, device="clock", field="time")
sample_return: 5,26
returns 3,52
